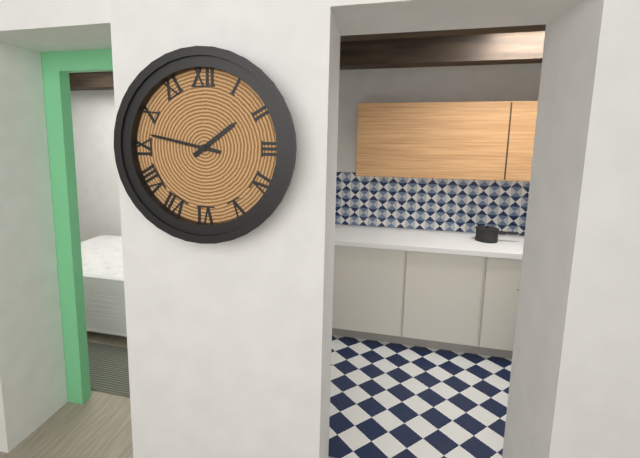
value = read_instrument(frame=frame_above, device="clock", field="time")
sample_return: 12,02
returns 1,47
